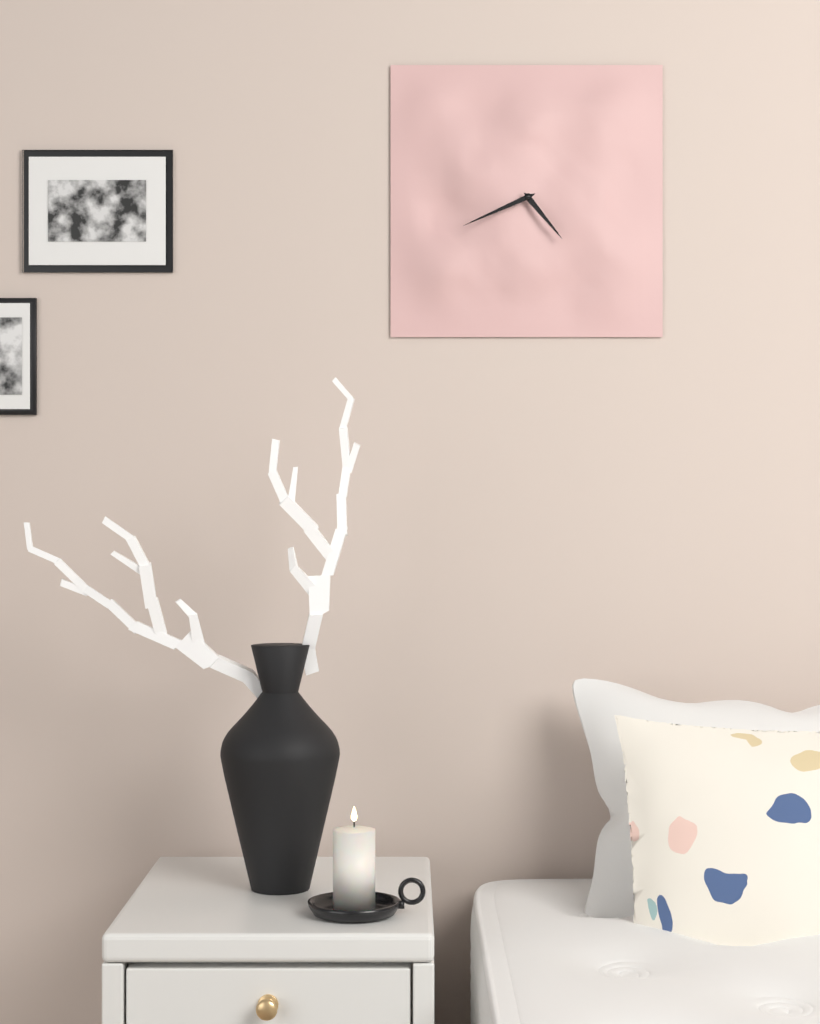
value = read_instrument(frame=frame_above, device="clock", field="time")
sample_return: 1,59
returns 4,41
